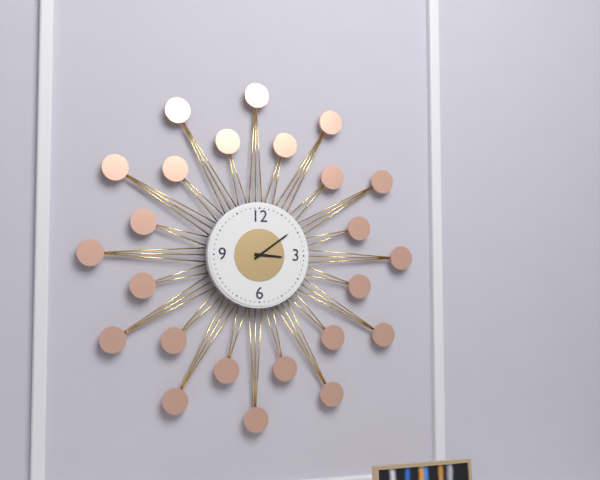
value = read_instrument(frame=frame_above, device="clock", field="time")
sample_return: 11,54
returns 3,09
